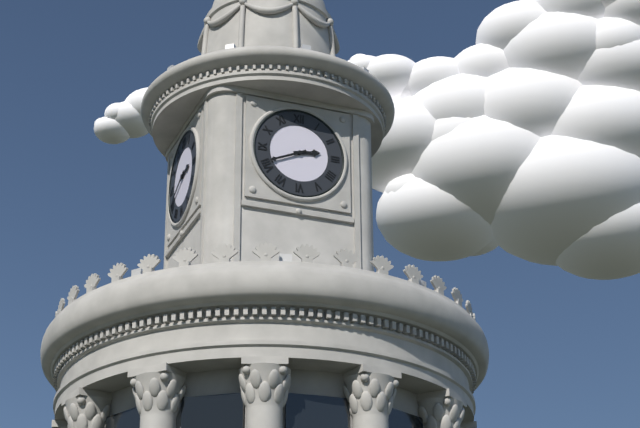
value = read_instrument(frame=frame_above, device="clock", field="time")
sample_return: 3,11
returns 2,41
